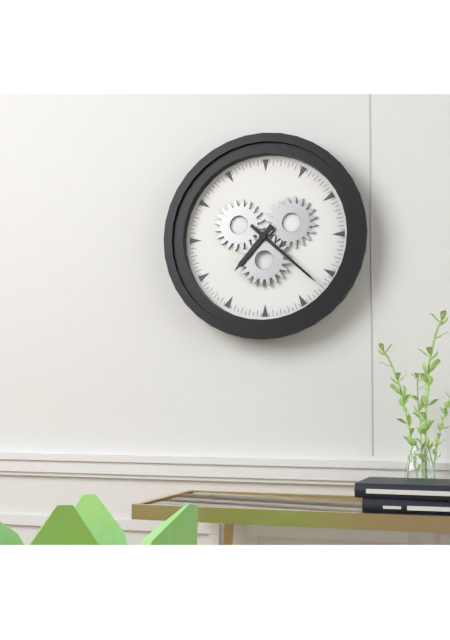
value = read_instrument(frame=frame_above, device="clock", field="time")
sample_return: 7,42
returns 7,22
